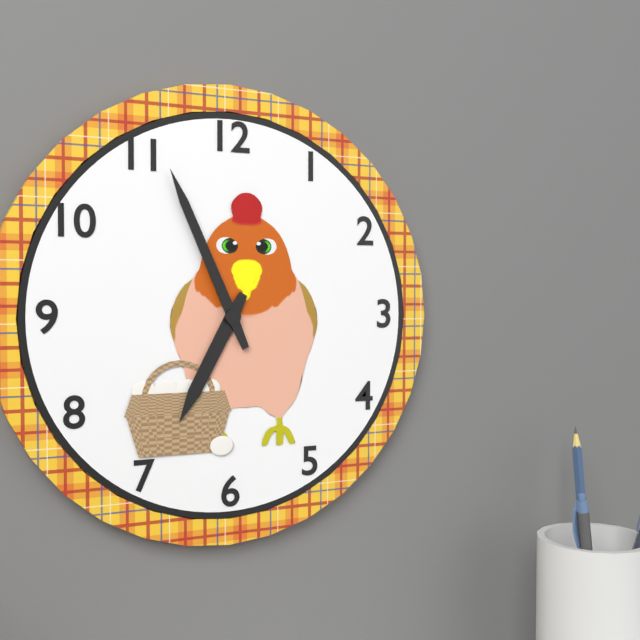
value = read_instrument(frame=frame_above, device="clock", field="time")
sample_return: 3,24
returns 6,56
